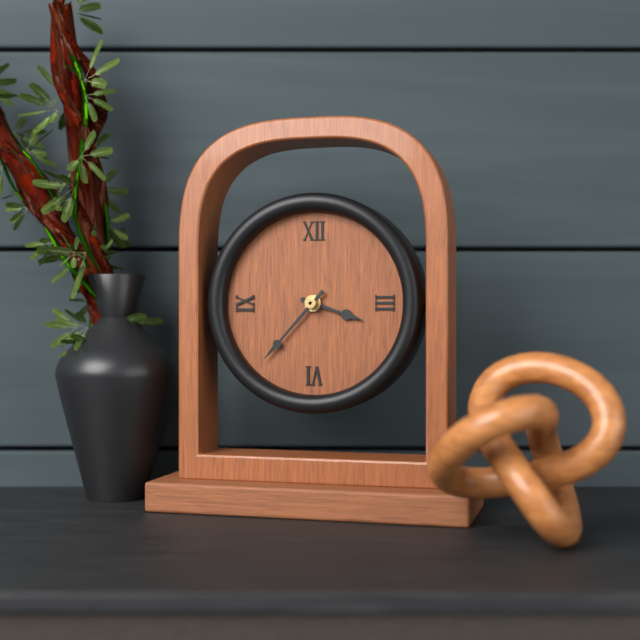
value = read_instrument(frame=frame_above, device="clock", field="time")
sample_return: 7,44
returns 3,37
